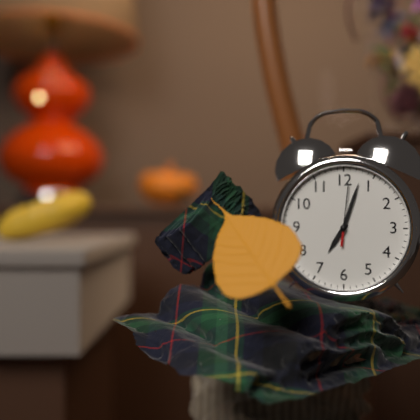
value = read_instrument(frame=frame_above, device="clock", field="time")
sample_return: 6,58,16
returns 7,03,01
